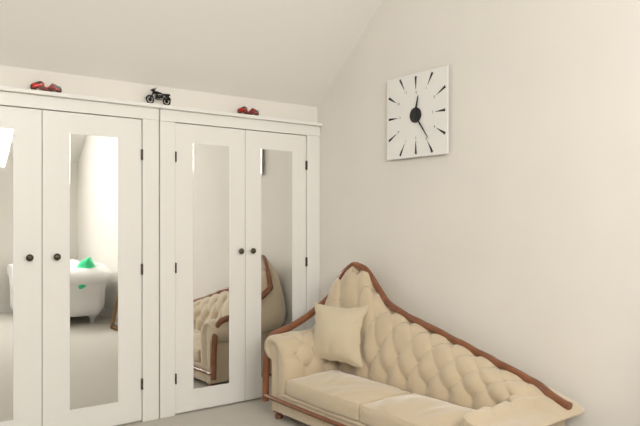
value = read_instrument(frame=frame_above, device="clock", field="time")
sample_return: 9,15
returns 12,24
